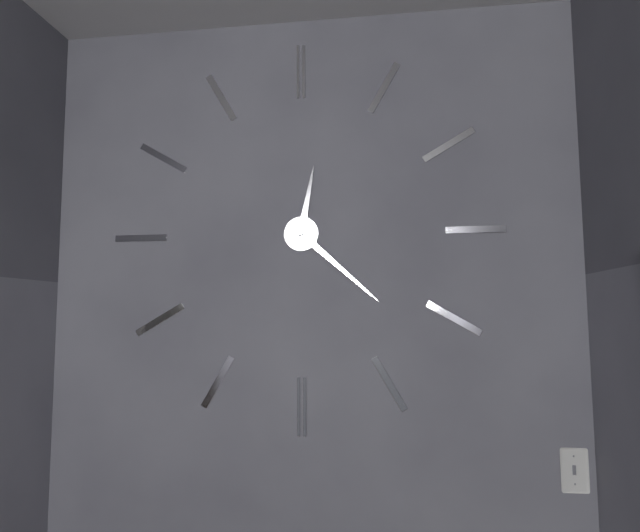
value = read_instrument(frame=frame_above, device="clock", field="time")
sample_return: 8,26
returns 12,22
